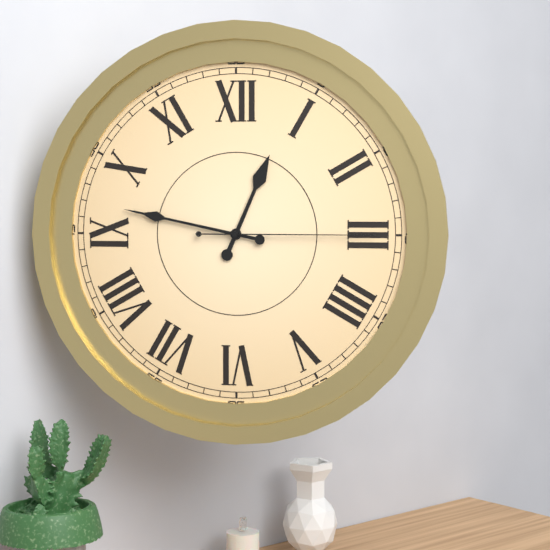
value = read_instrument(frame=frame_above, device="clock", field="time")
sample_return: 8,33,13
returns 12,47,15
